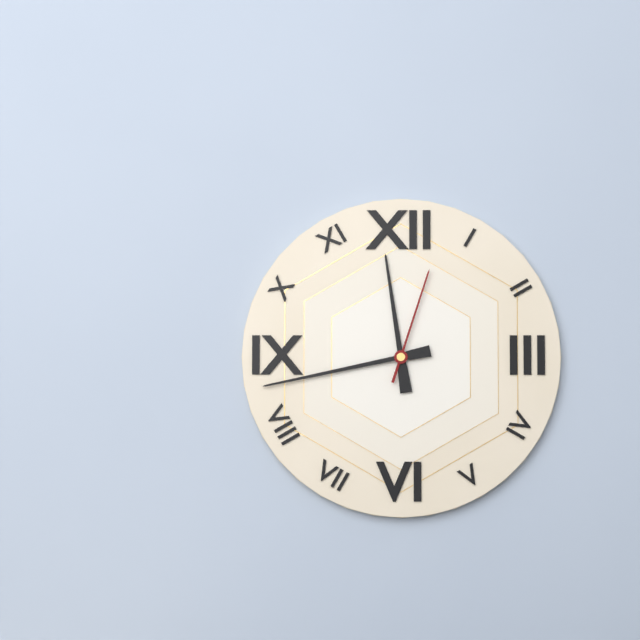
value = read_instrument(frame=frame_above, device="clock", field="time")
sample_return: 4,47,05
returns 11,43,03
